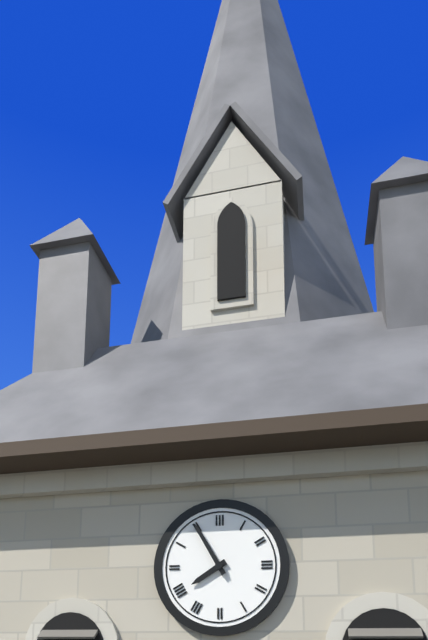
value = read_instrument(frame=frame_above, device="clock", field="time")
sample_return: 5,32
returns 7,55
